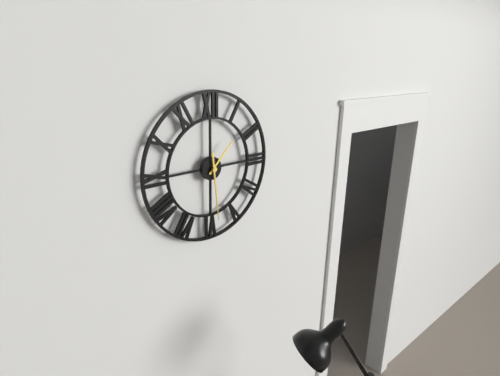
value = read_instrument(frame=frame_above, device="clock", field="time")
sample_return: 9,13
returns 1,29
